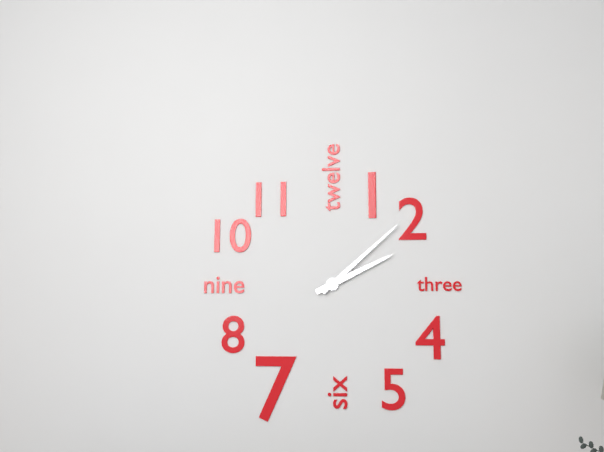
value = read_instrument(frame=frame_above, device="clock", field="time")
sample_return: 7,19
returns 2,08
